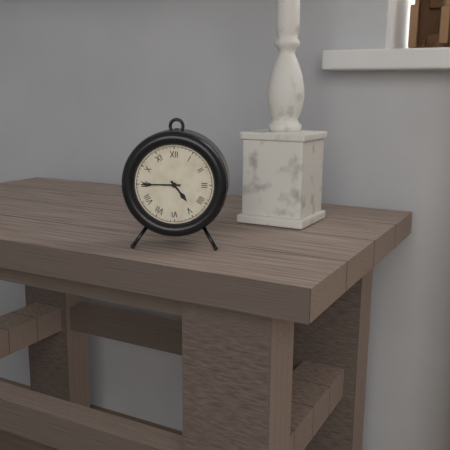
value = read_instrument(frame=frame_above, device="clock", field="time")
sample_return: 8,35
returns 4,45
